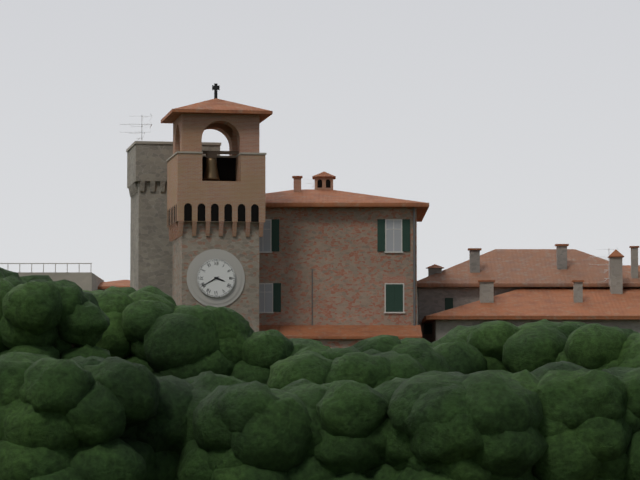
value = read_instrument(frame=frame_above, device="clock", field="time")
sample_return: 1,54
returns 3,40
